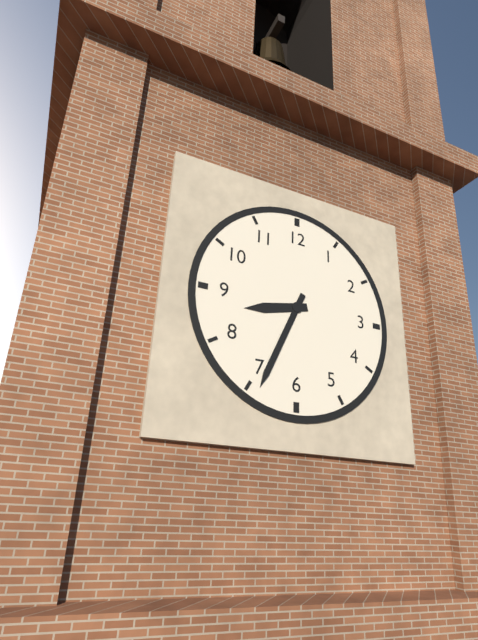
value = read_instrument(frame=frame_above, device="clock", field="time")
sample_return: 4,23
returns 8,34
